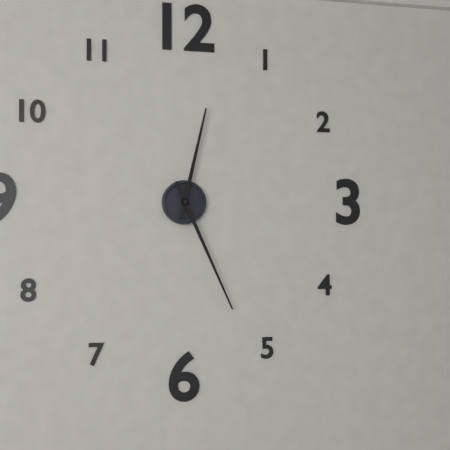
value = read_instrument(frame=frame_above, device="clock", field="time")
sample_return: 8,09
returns 12,26
